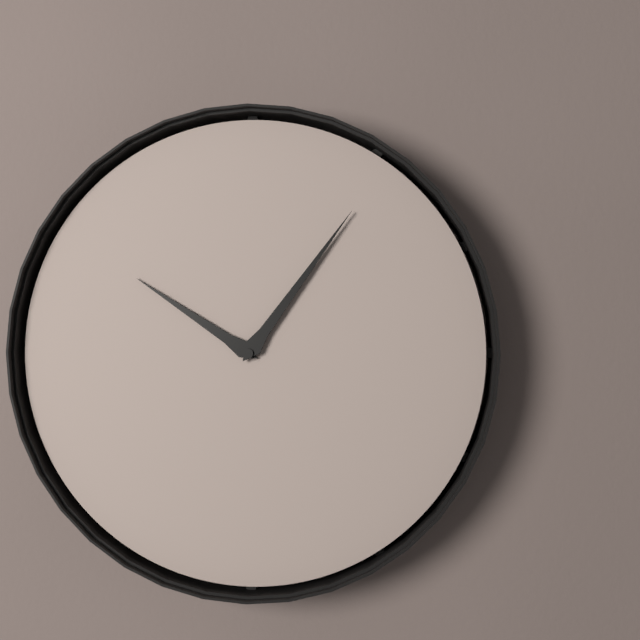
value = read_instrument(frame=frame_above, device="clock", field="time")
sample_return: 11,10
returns 10,06
